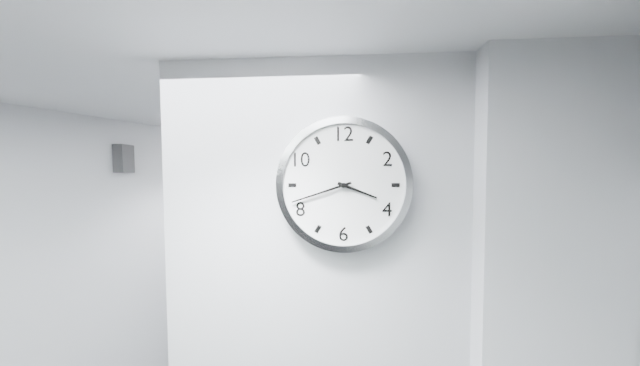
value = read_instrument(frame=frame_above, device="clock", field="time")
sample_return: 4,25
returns 3,42
